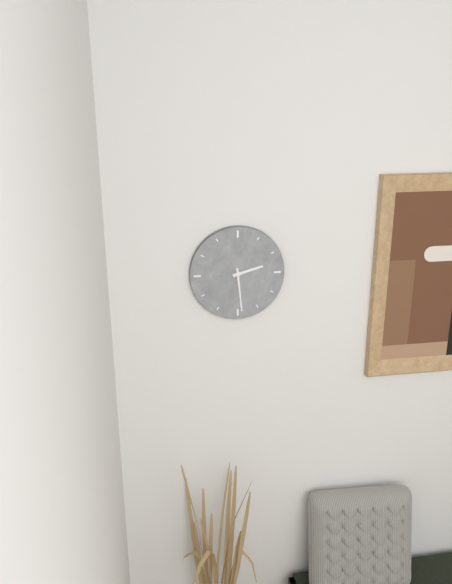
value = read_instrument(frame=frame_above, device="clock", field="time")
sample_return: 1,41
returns 2,29
